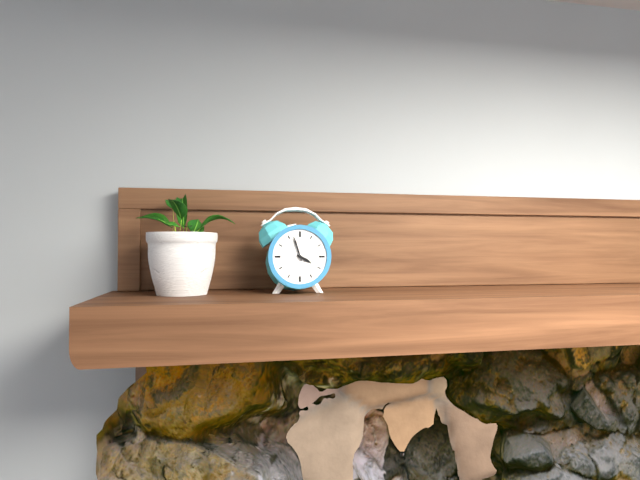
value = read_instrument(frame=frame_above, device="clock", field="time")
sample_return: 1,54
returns 3,57
